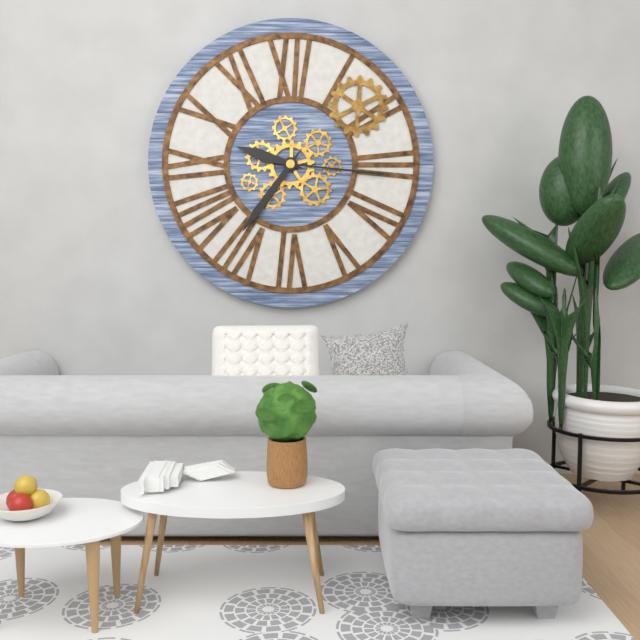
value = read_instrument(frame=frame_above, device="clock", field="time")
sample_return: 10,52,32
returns 9,36,16
